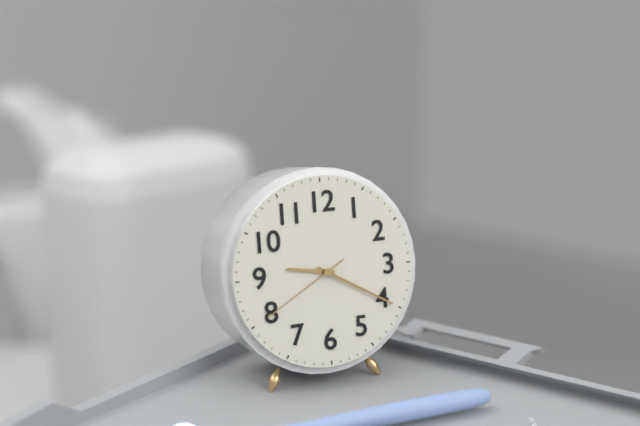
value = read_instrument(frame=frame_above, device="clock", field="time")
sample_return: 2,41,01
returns 9,20,40
